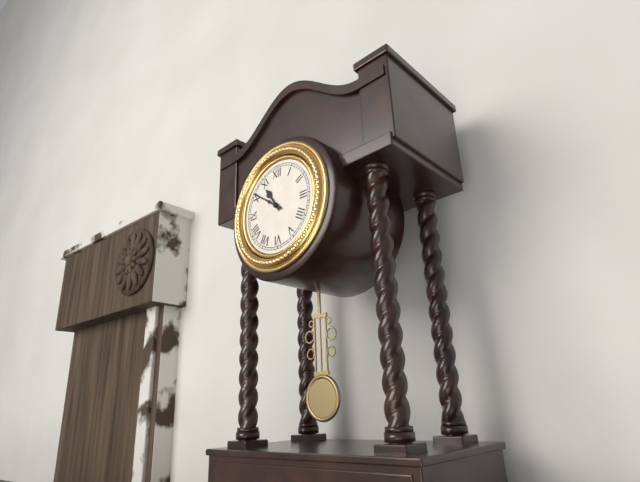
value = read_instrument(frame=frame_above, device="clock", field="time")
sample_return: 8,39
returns 10,51
